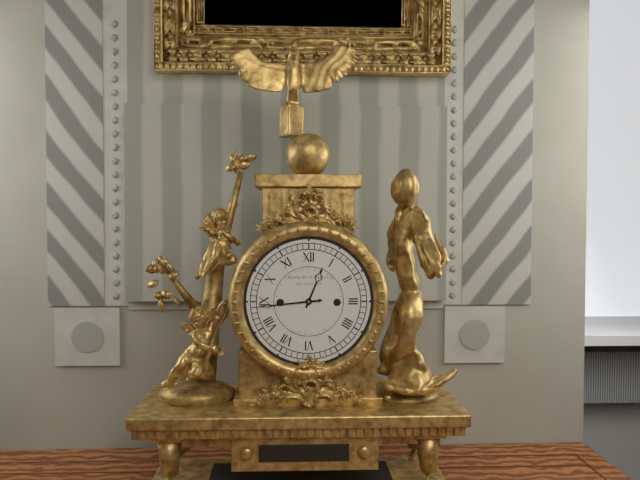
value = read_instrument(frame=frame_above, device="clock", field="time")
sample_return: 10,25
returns 12,44
